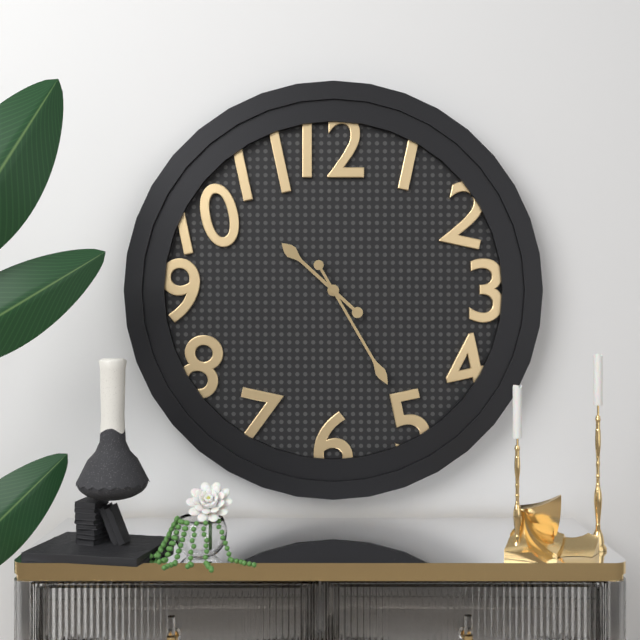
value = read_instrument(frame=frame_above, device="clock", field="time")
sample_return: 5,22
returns 10,25
